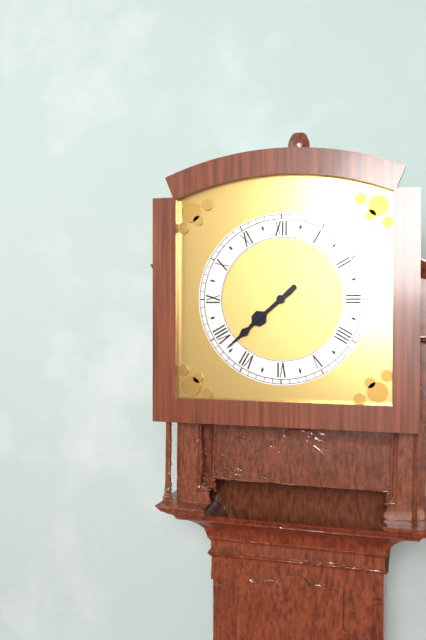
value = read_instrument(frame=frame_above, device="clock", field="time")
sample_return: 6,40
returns 7,38
